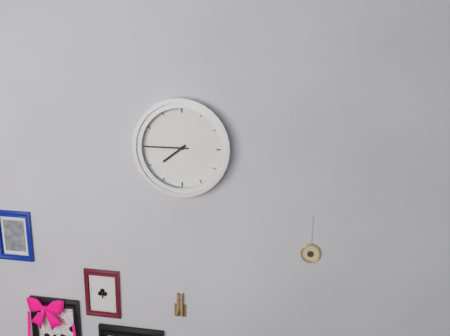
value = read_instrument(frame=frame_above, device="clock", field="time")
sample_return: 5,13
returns 7,45
